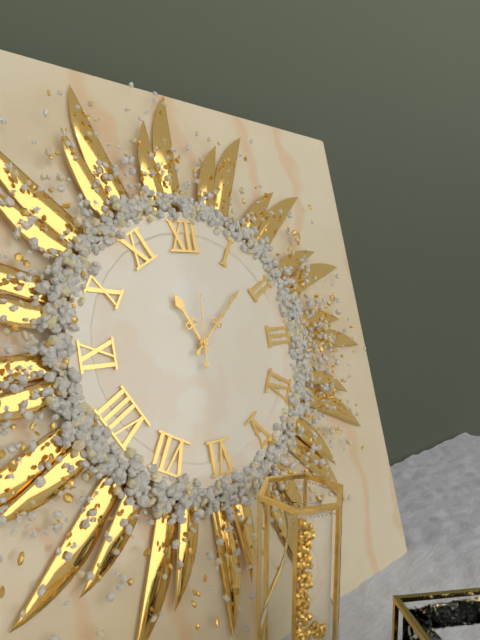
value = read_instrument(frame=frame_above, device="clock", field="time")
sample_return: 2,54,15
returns 11,08,01
